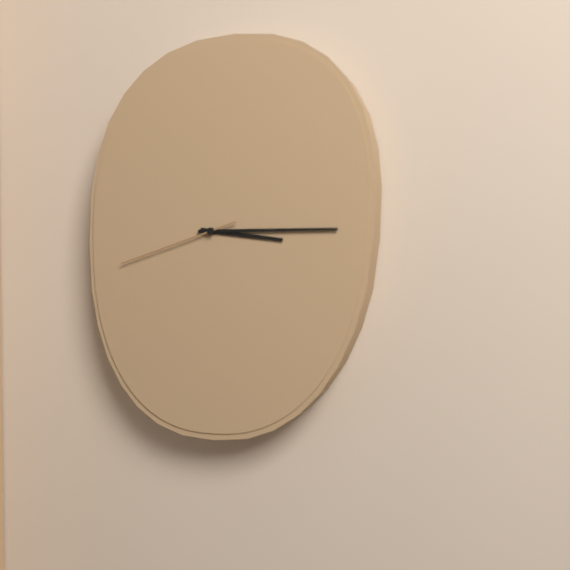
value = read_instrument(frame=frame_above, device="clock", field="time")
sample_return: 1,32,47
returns 3,15,42
